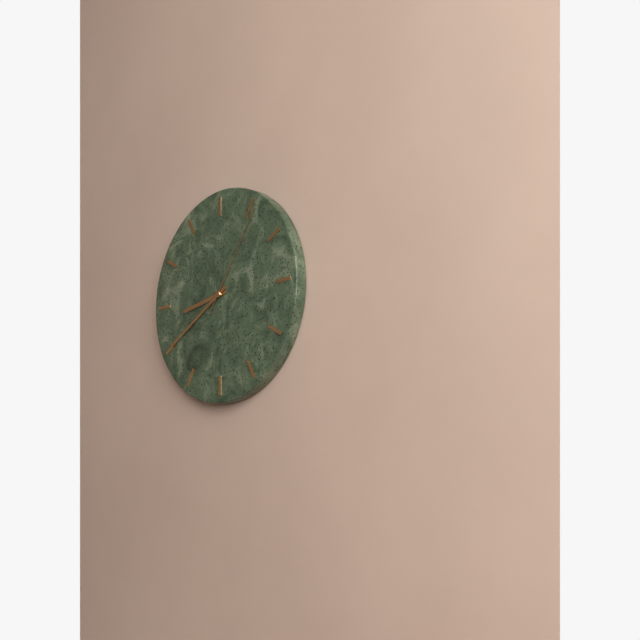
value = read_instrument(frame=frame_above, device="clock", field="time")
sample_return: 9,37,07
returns 8,40,06
